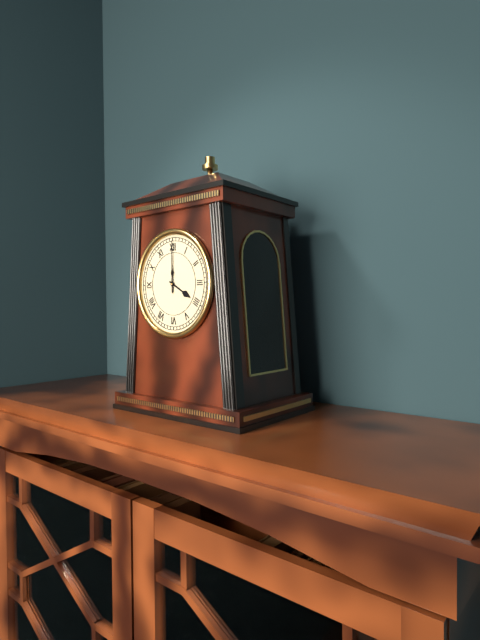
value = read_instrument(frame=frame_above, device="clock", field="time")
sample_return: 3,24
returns 4,00
